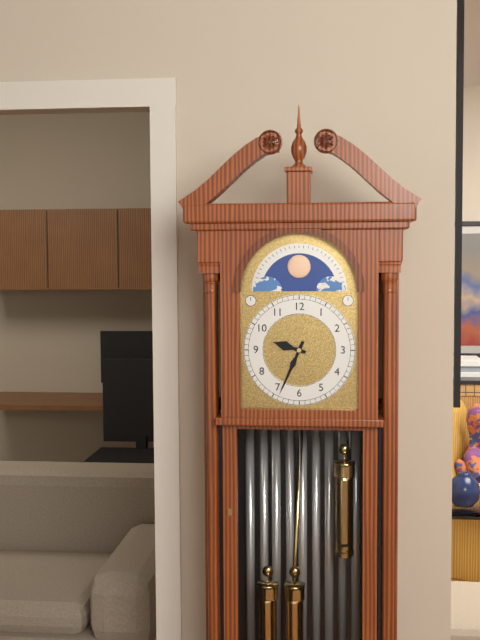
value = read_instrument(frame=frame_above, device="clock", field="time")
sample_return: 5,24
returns 9,34
